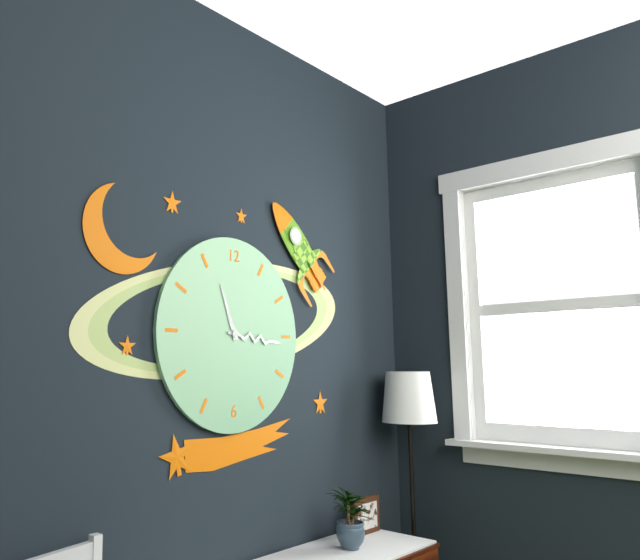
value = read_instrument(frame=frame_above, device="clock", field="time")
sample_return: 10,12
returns 11,16
